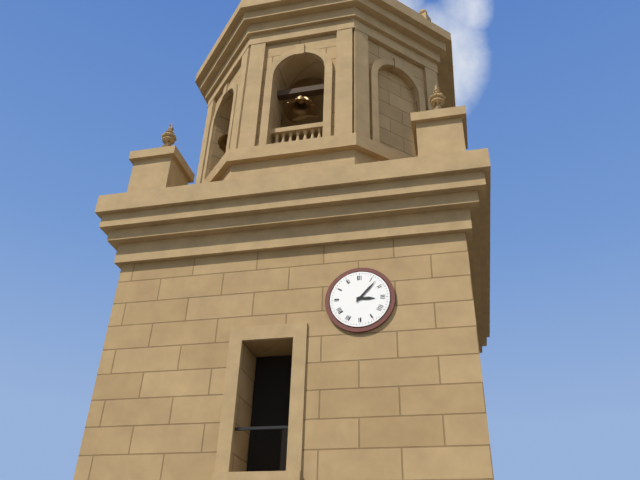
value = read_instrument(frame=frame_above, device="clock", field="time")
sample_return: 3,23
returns 3,07
